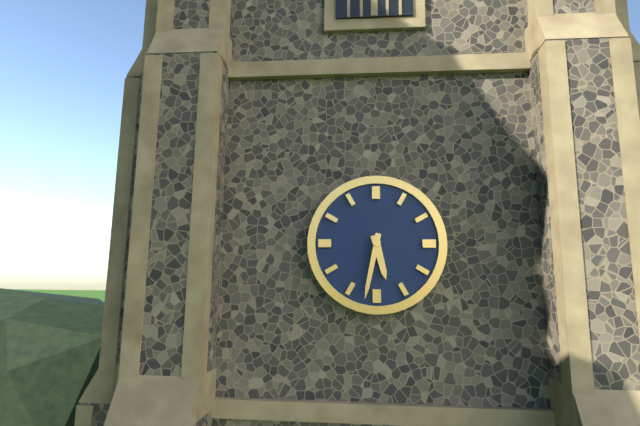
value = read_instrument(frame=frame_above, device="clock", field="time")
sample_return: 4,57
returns 5,32
